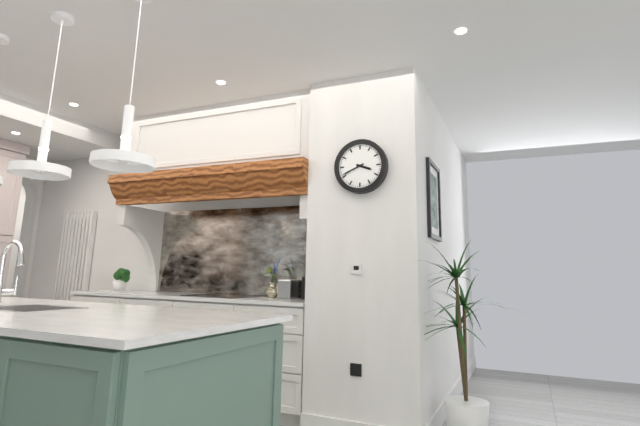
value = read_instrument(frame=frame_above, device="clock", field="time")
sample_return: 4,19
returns 3,41
